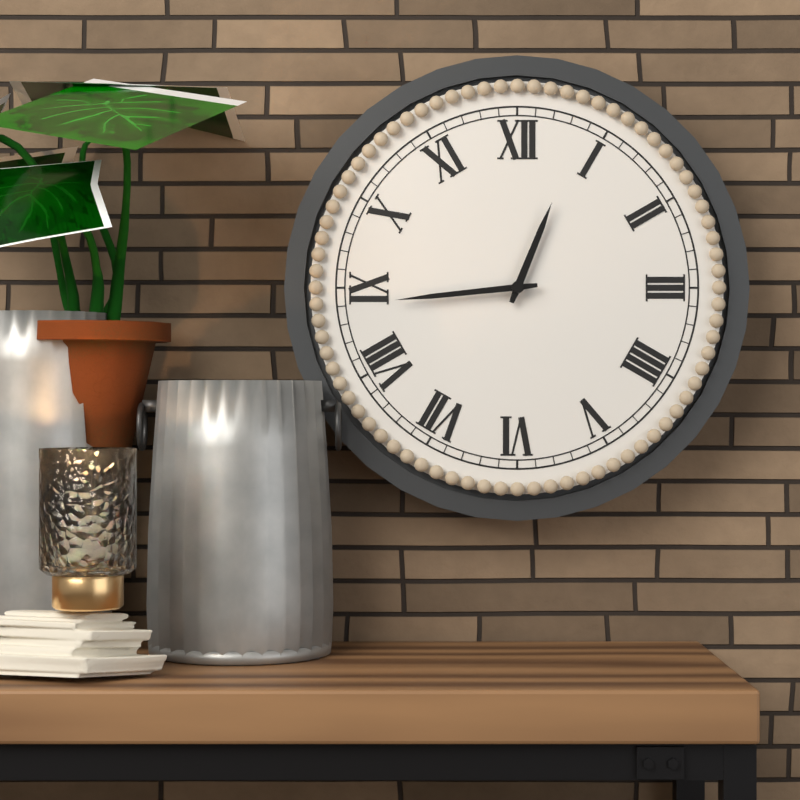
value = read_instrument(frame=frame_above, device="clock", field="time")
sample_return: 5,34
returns 12,44
